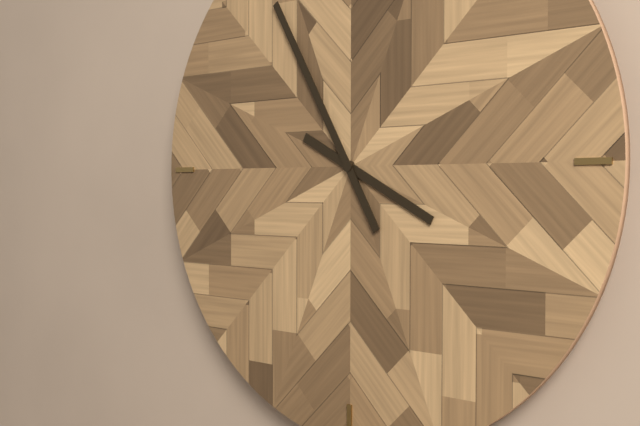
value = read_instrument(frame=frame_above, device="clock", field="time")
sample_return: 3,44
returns 3,55
